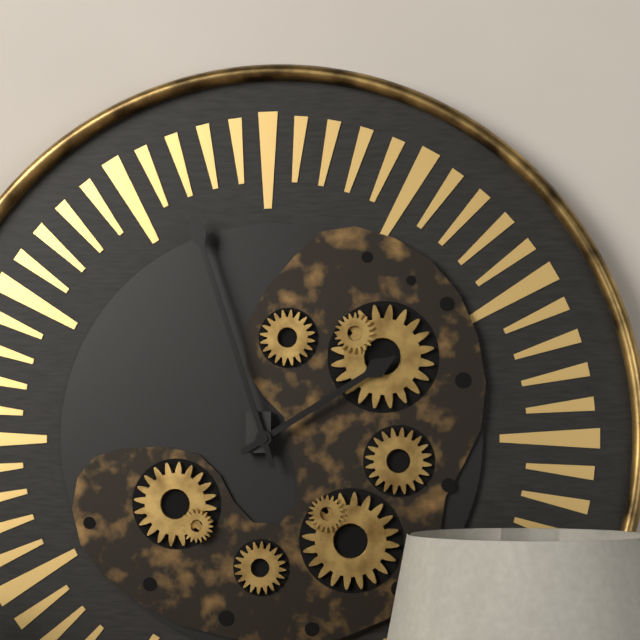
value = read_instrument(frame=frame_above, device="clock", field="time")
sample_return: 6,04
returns 1,57
